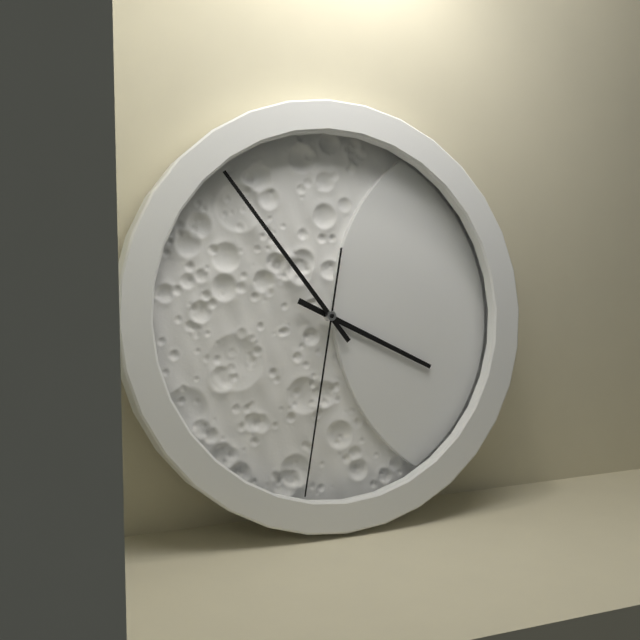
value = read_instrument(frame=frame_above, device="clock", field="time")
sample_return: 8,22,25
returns 3,54,32
